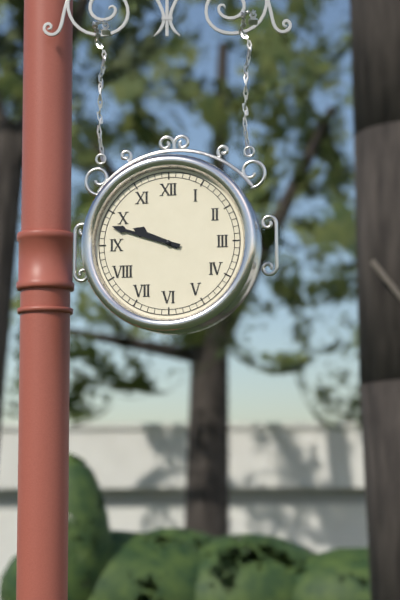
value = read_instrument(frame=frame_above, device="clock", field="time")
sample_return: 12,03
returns 9,48
